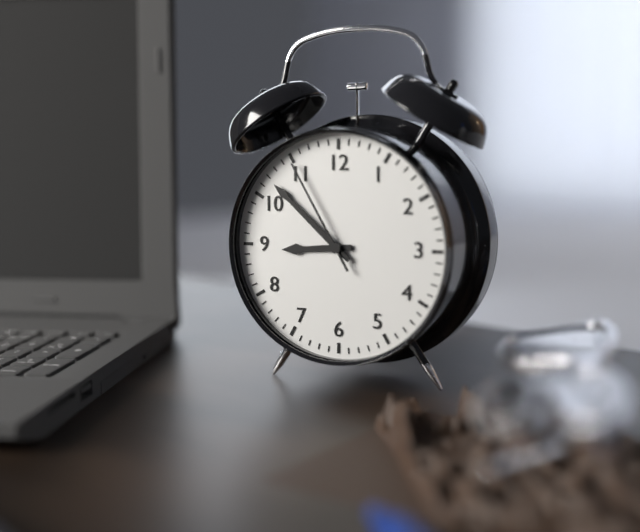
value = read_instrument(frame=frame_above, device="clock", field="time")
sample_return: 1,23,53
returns 8,52,55
